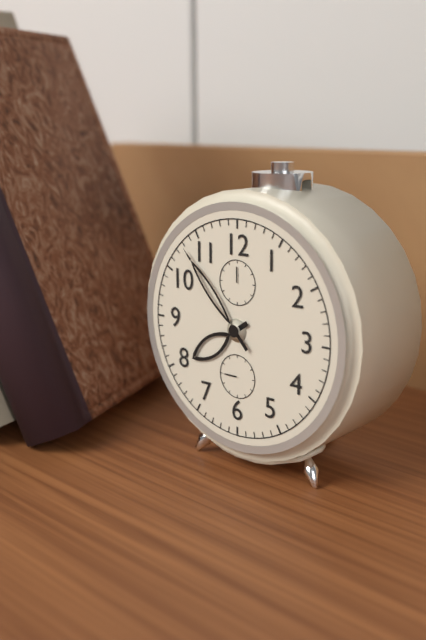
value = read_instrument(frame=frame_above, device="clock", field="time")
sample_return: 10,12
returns 7,53
